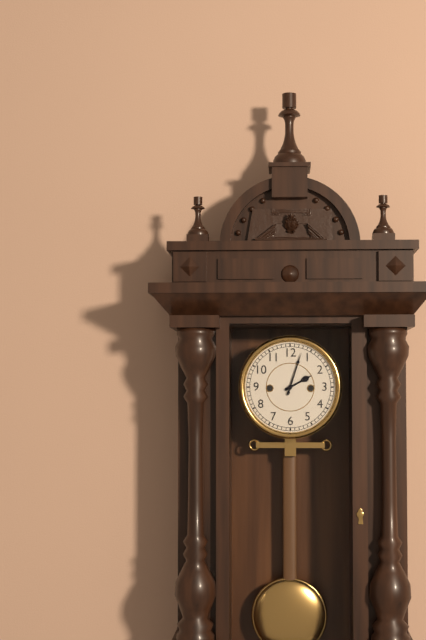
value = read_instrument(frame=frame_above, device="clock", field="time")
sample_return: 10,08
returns 2,03
